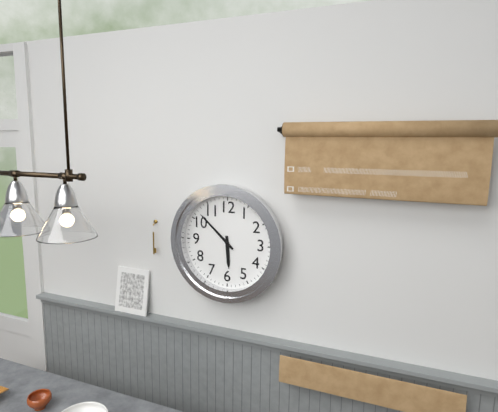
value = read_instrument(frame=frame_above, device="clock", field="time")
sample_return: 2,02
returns 5,52
